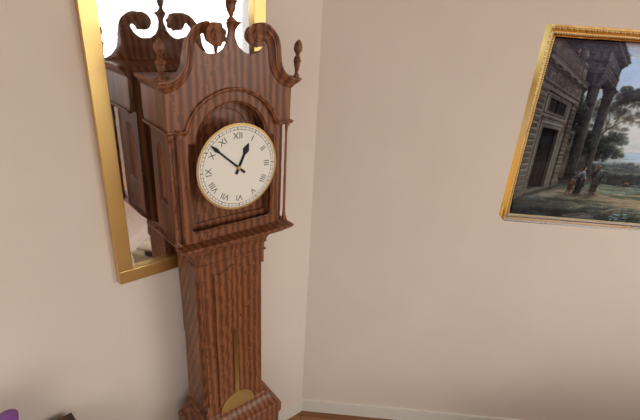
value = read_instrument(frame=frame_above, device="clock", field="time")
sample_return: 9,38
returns 12,52
